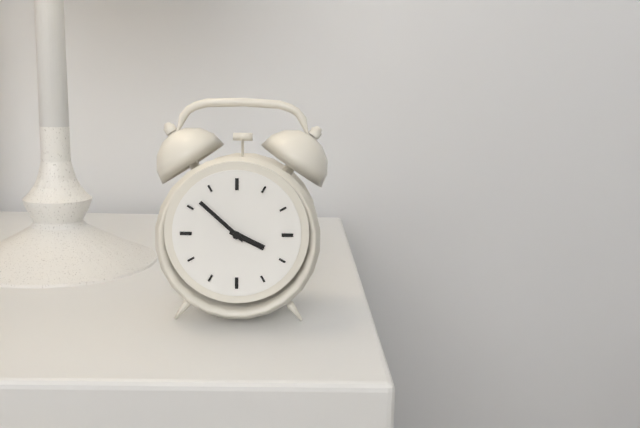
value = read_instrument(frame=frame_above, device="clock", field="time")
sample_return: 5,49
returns 3,52
